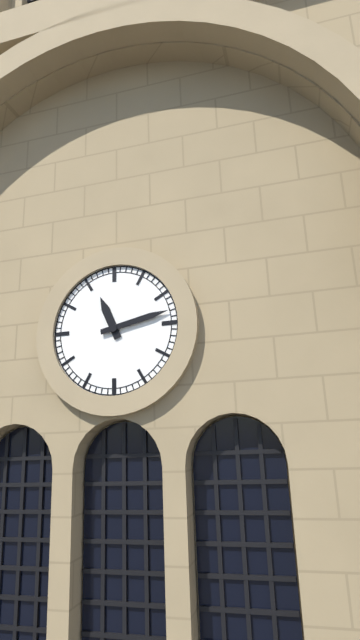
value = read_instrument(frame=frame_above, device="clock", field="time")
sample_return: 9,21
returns 11,13
